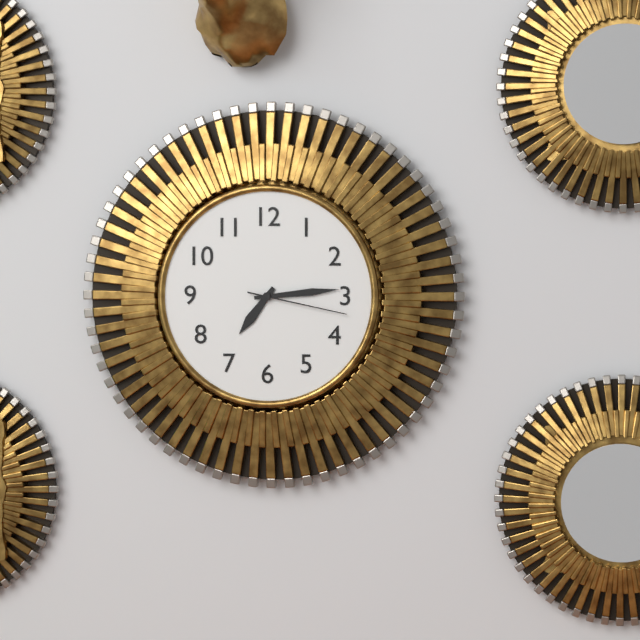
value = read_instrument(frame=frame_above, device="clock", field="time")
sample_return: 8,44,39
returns 7,14,17
